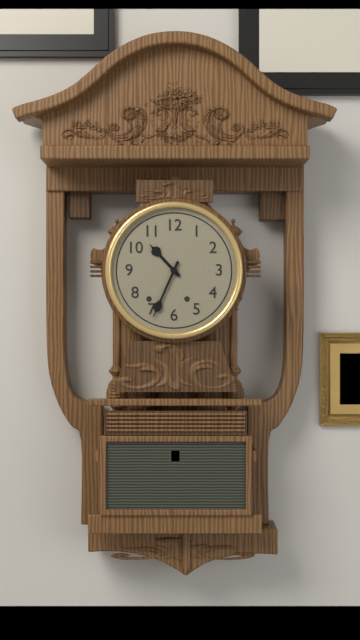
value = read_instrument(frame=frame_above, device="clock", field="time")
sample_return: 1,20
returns 10,34
